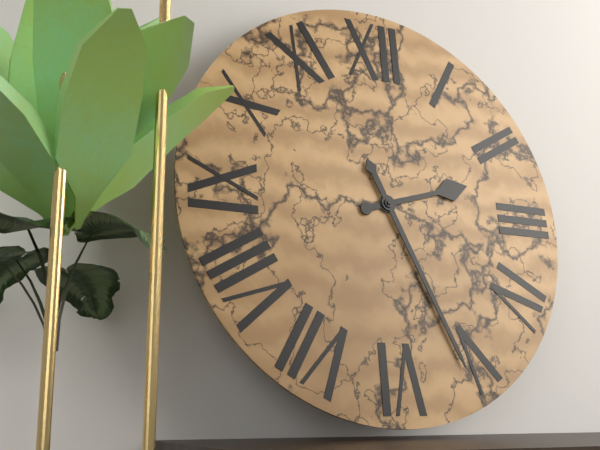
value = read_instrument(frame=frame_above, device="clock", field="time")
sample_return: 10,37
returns 2,26
